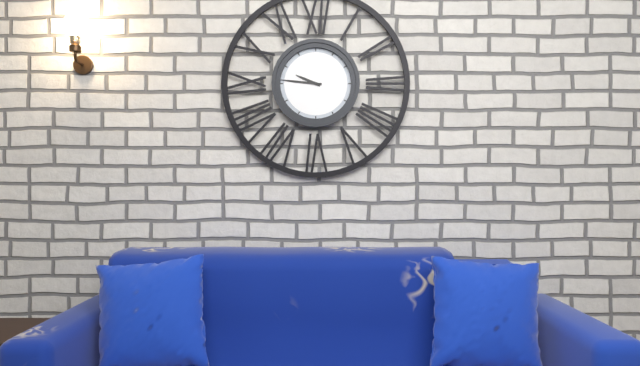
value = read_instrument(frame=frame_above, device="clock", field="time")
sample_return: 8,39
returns 9,46
